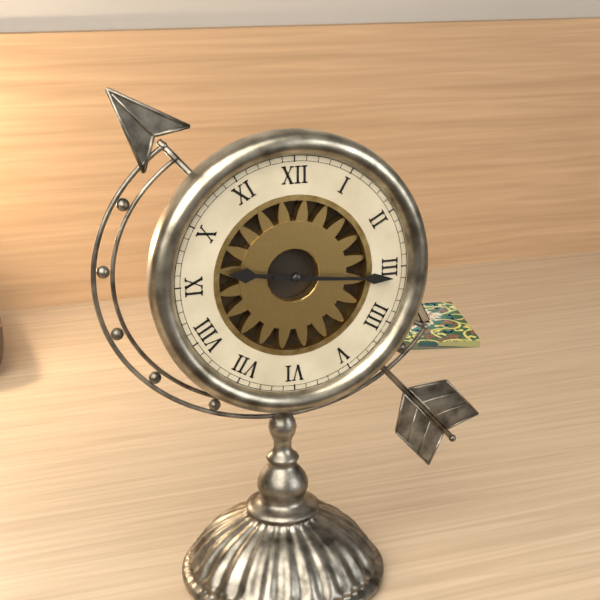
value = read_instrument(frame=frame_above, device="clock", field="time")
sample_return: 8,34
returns 9,16
